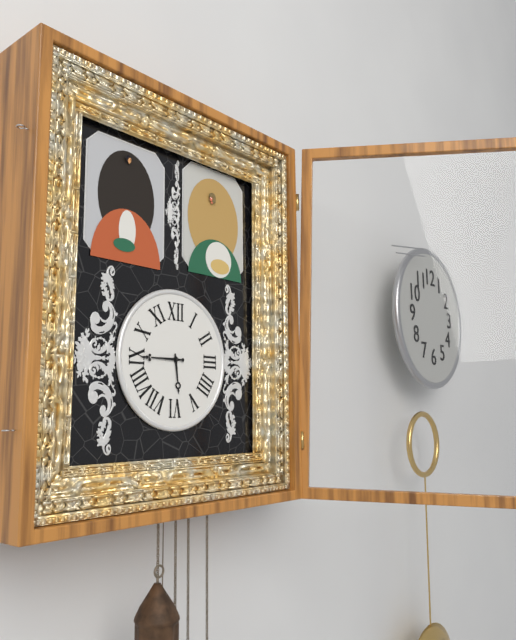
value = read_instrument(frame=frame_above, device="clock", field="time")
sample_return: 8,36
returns 5,45
